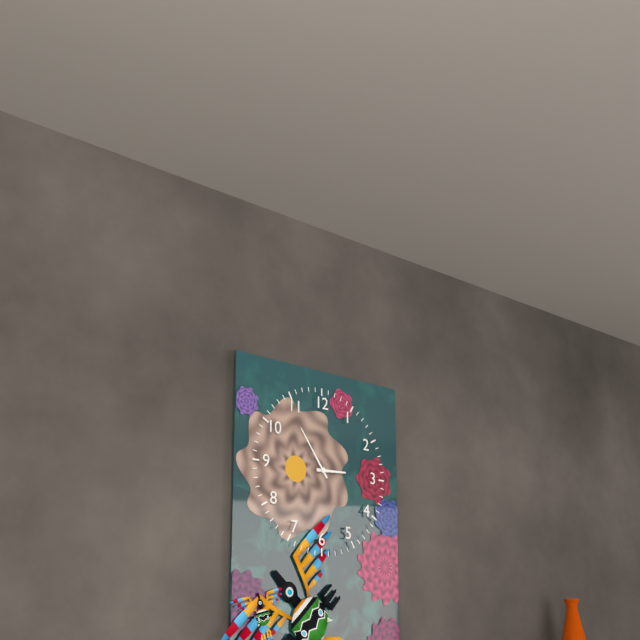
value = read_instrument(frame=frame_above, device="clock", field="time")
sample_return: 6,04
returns 2,54
